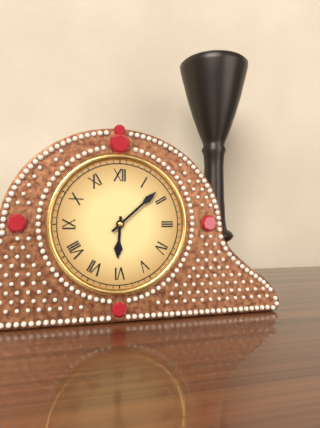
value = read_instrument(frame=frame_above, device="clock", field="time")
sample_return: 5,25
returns 6,08
